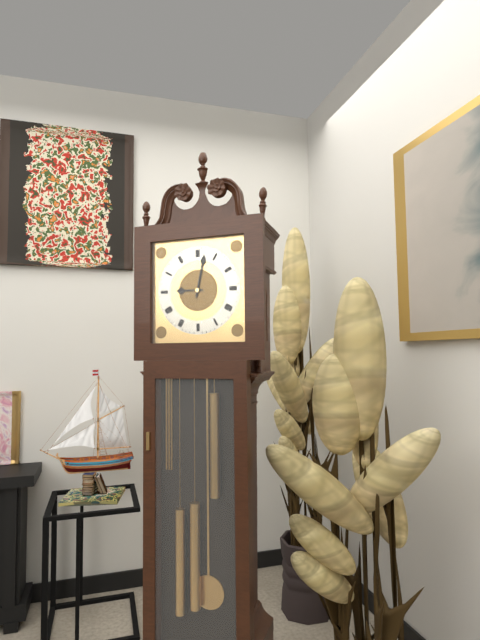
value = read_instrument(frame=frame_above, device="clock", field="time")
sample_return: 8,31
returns 9,02
